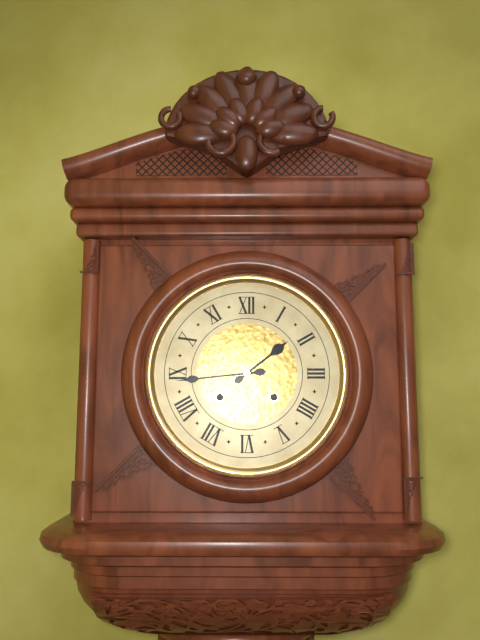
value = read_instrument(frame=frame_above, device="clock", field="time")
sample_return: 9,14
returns 1,44
